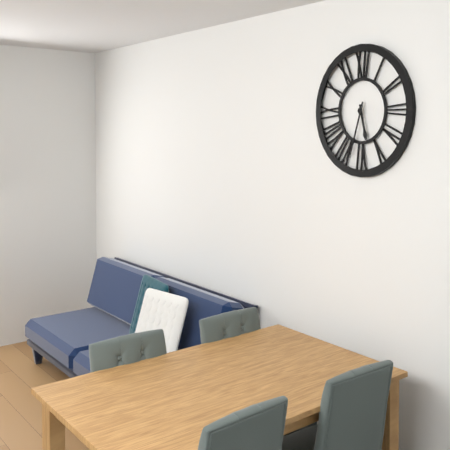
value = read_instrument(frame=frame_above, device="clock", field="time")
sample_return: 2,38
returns 5,33
